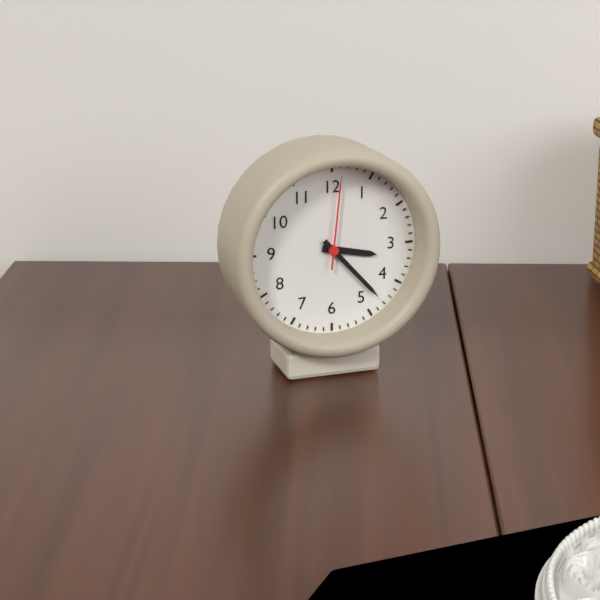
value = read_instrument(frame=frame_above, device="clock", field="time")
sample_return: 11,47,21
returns 3,23,01
